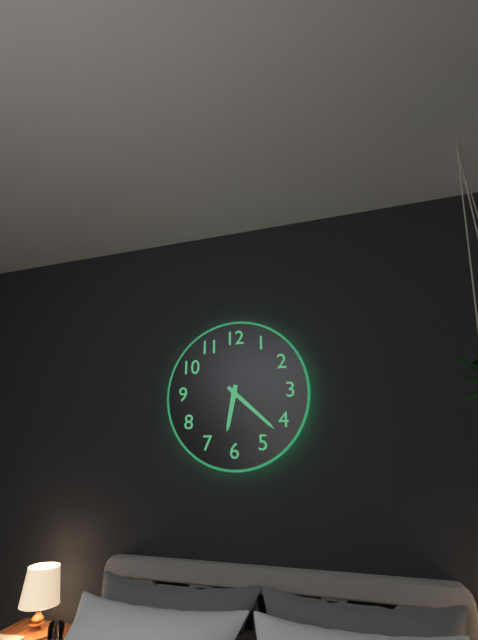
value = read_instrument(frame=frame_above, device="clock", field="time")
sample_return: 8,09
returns 6,22
